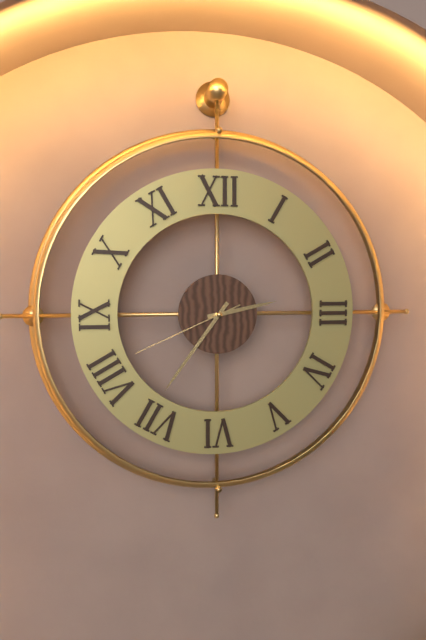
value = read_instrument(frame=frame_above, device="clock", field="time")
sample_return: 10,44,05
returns 2,36,41
